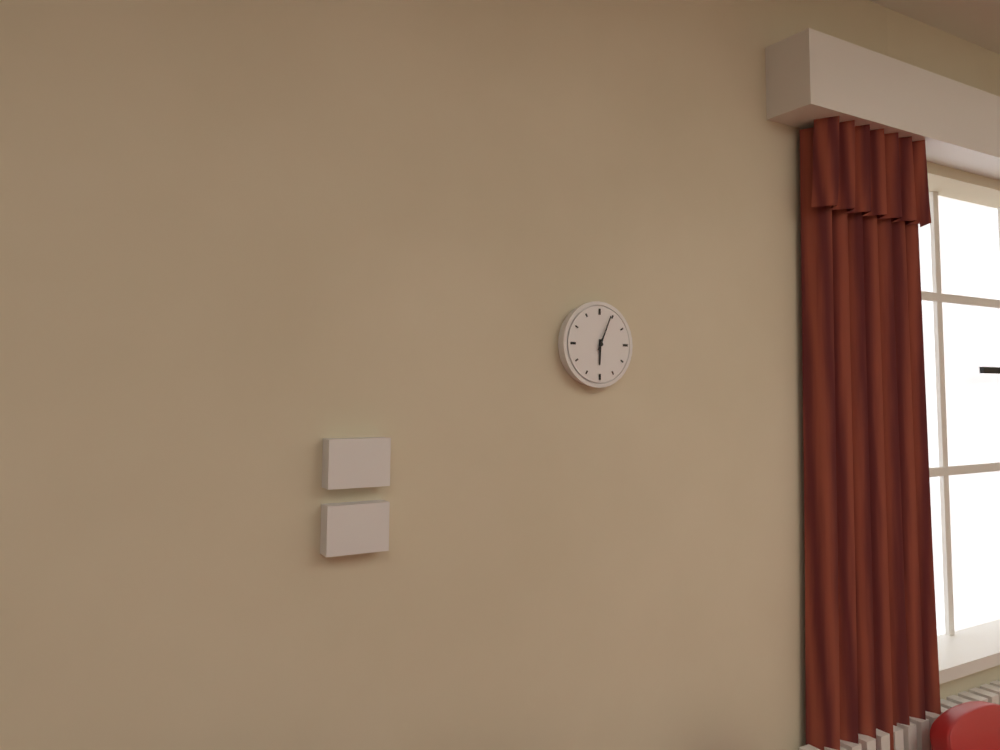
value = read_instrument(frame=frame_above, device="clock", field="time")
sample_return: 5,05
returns 6,04
